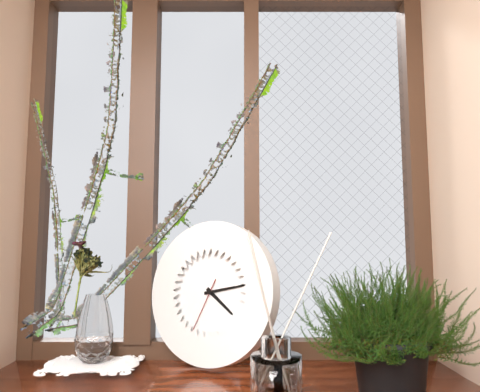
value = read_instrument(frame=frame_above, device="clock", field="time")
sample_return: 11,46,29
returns 4,13,34
